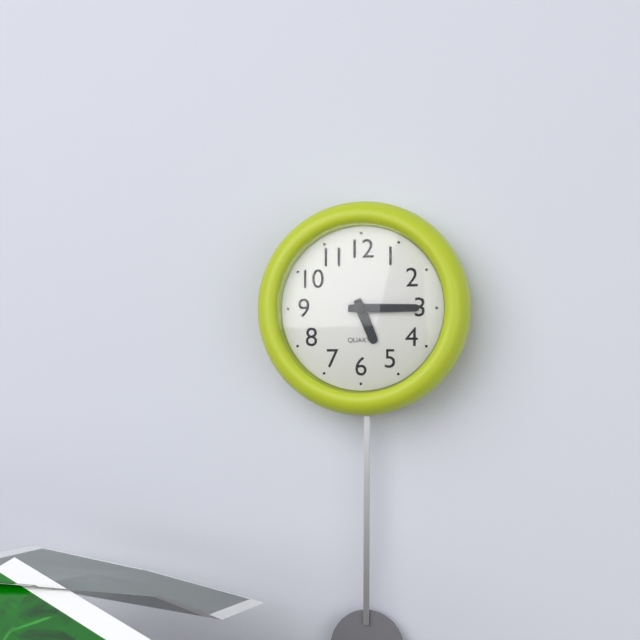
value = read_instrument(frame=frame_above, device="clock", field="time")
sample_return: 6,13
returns 5,15
